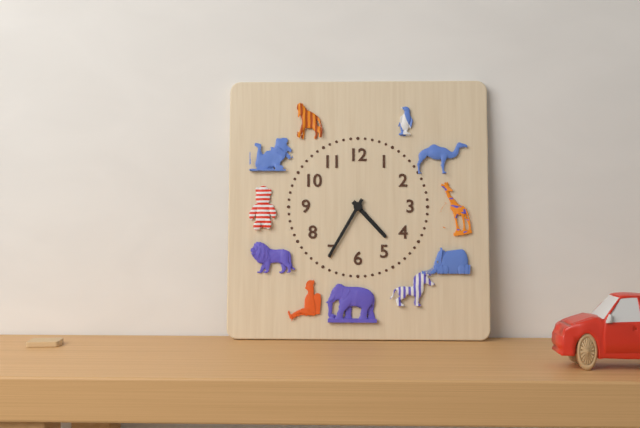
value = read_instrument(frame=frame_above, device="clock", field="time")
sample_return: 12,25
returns 4,35
